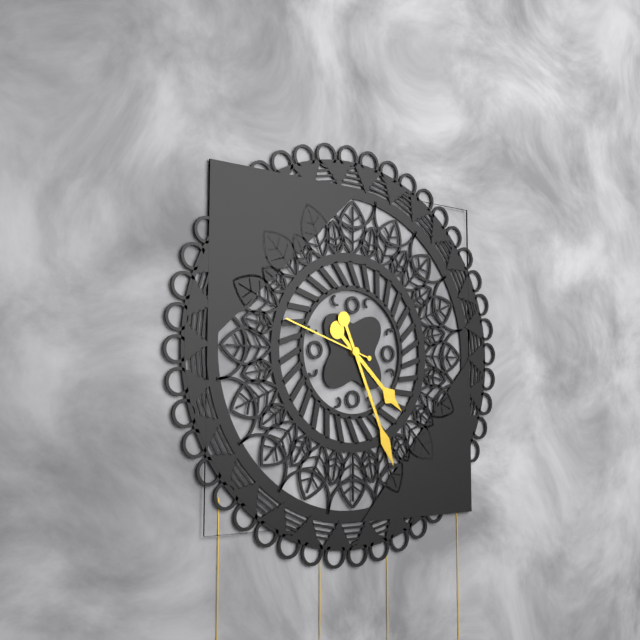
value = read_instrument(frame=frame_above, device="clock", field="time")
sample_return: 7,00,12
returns 4,26,48
